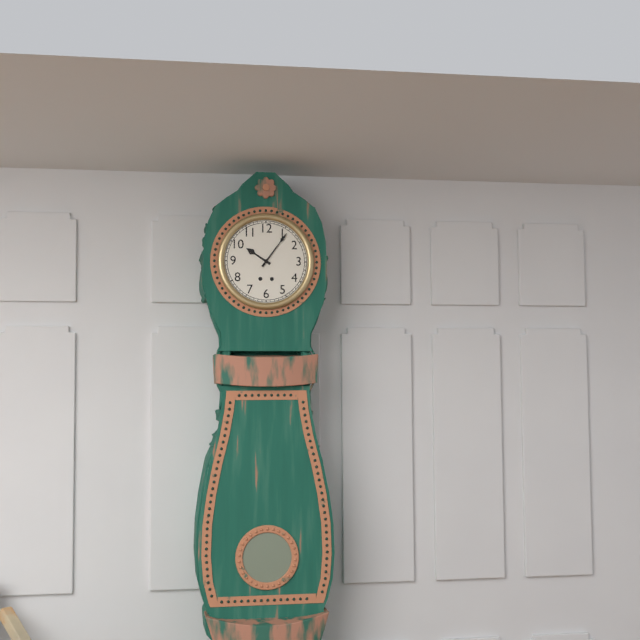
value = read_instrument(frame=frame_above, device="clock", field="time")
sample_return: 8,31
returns 10,06
